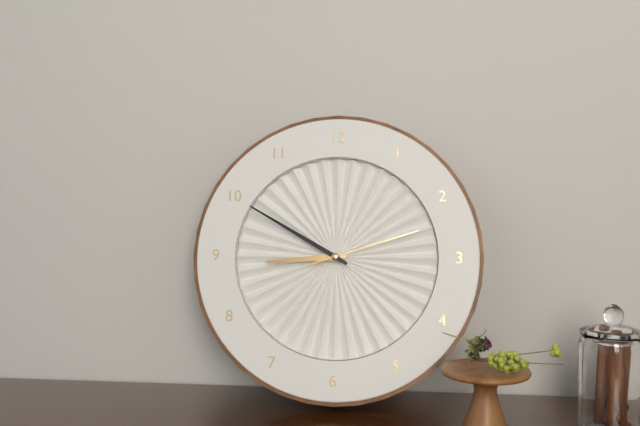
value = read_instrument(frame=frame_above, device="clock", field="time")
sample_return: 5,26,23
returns 8,50,12
